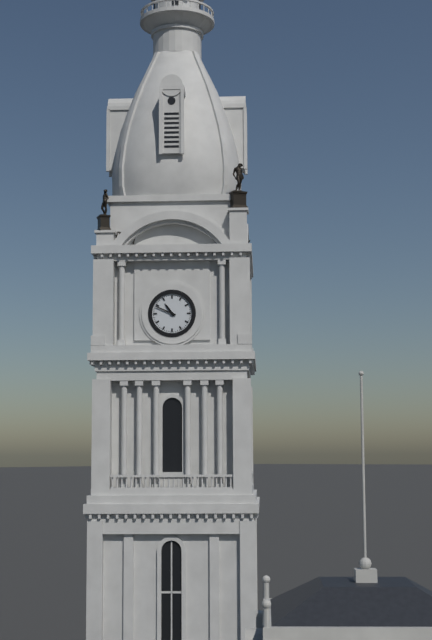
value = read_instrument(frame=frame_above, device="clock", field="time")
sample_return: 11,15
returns 10,49
